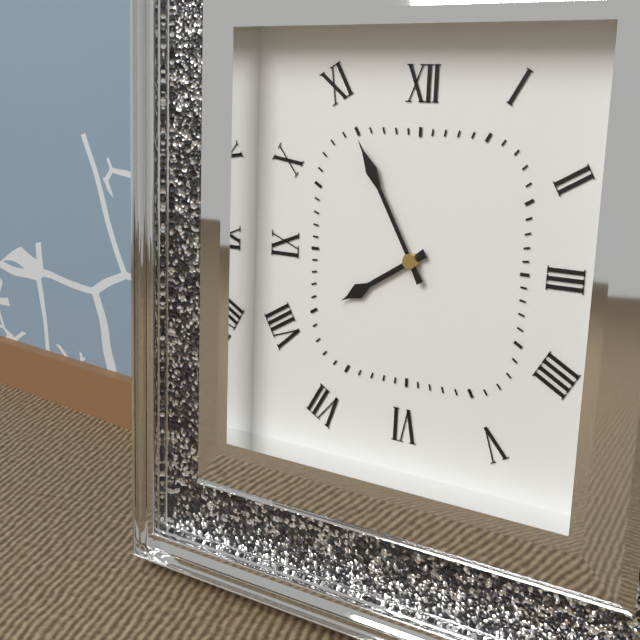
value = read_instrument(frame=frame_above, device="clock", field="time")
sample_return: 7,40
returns 7,55
